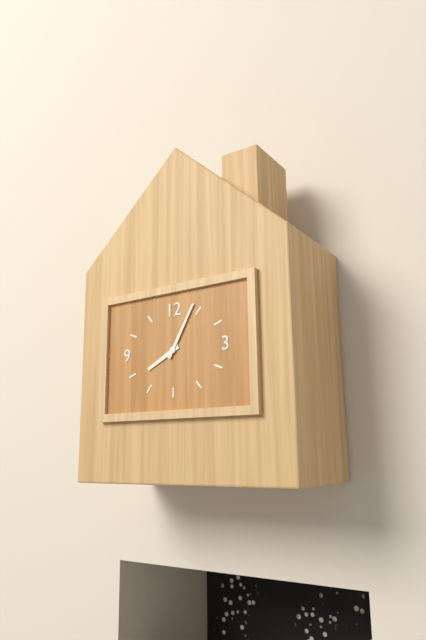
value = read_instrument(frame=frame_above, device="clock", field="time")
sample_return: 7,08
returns 8,05
